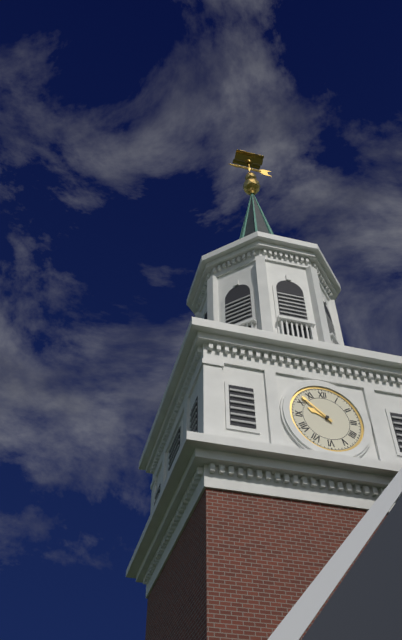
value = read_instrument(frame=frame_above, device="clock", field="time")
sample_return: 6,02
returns 9,52
